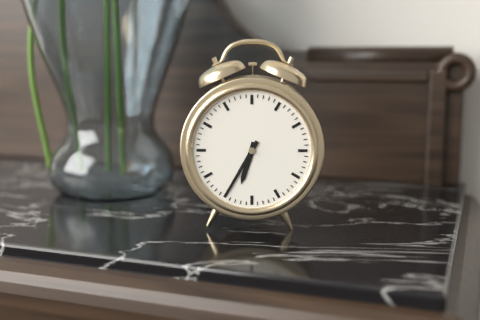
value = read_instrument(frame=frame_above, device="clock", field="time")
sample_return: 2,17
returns 6,35
